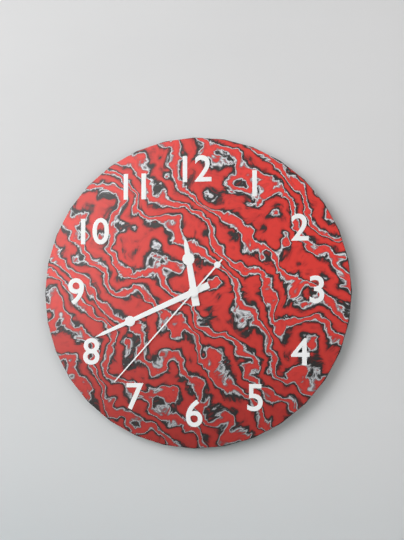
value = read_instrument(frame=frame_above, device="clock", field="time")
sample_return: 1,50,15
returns 11,41,37
